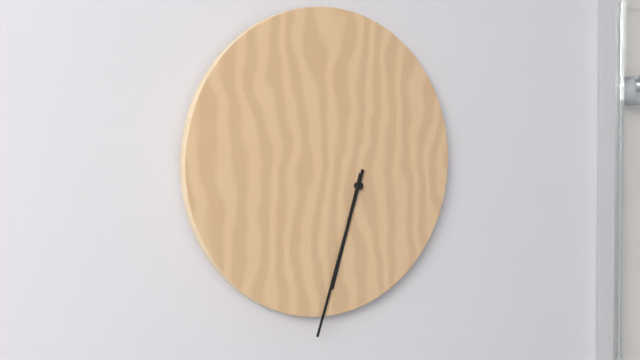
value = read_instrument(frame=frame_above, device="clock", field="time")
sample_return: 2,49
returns 6,33
